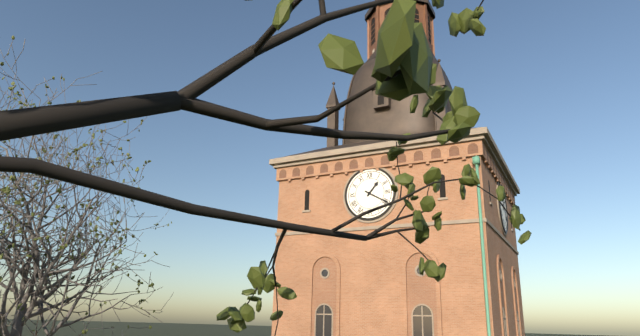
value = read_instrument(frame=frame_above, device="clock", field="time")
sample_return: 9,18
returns 1,20
